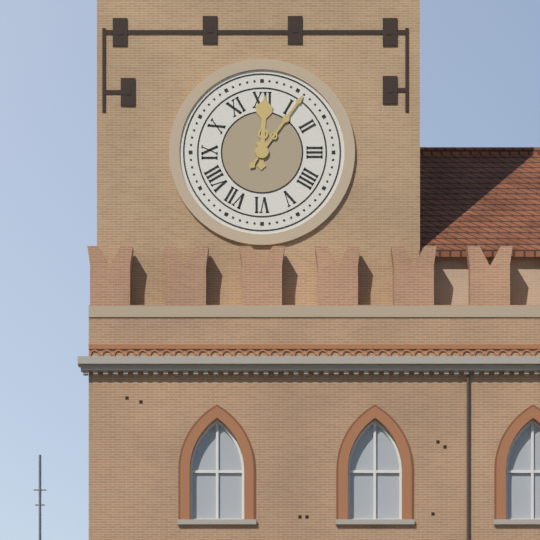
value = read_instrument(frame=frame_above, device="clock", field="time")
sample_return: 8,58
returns 12,06
